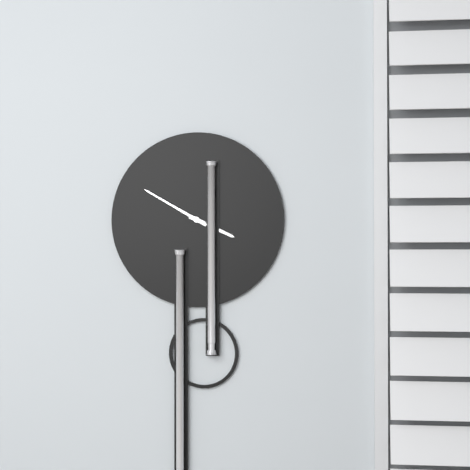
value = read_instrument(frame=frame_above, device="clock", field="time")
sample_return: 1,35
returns 3,50
